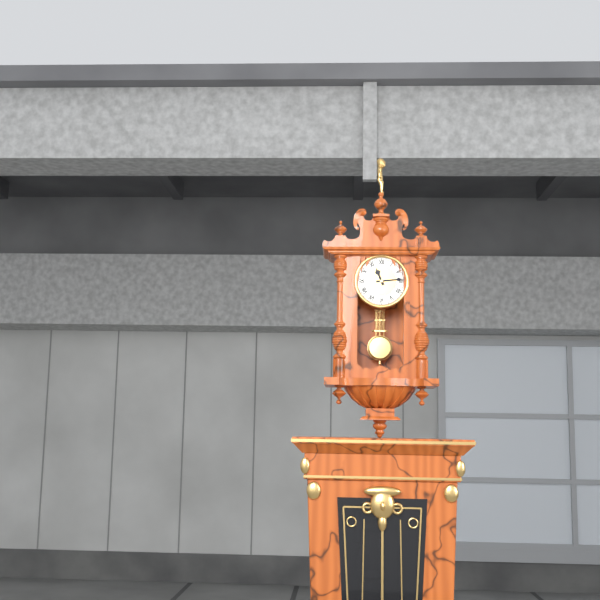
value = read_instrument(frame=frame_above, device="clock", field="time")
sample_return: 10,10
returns 11,14
